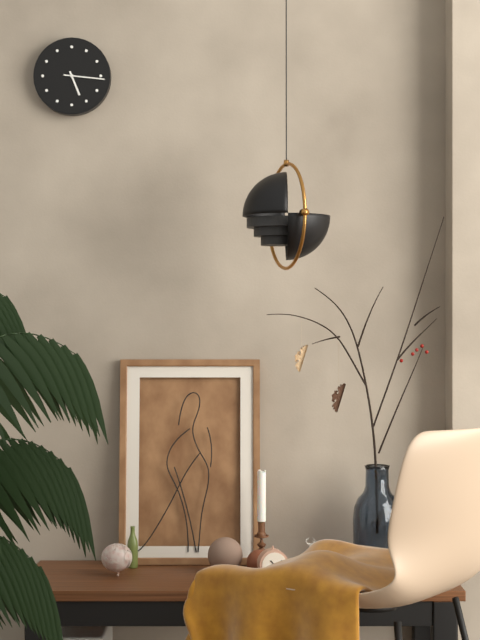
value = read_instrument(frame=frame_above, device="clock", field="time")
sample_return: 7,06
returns 5,16
